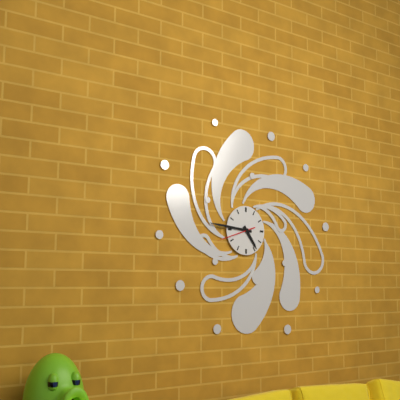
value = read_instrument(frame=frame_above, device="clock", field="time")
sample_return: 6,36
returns 4,46
